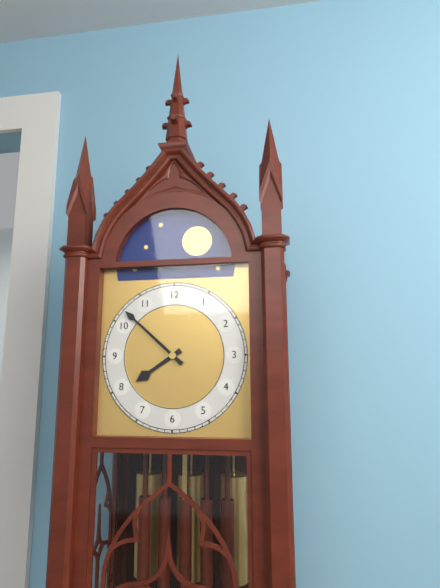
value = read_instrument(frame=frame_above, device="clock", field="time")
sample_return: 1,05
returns 7,52
